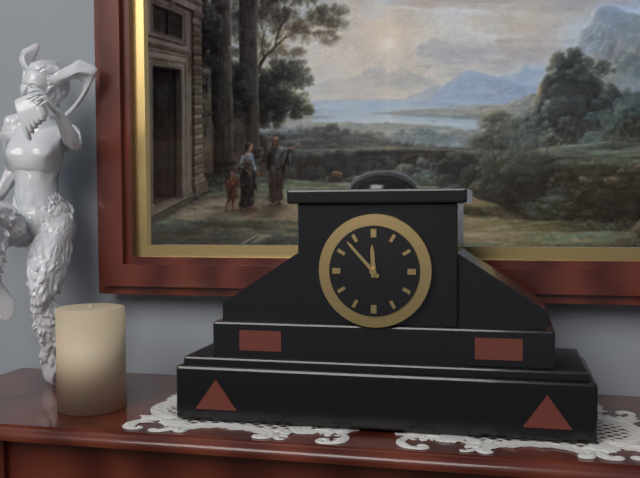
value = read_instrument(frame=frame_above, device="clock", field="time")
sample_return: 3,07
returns 11,53
